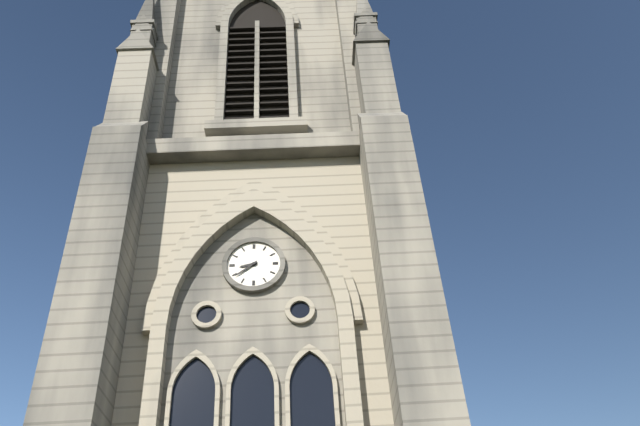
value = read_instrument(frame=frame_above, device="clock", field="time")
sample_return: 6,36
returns 8,39
